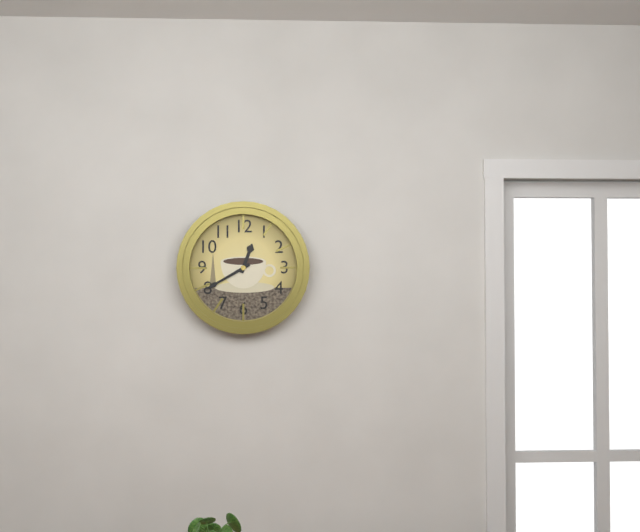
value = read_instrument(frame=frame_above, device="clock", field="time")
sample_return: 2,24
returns 12,40
